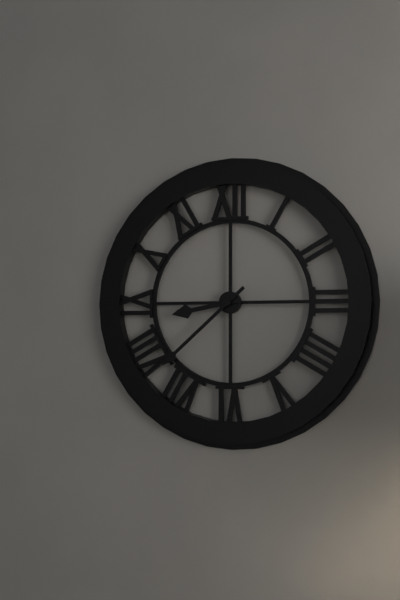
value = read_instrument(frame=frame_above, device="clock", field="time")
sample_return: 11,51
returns 8,38
